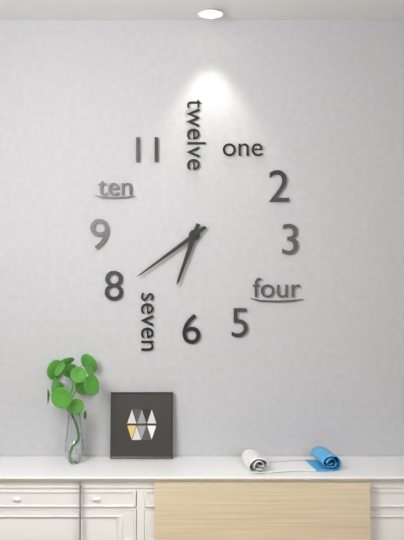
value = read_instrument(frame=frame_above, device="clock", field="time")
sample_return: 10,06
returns 6,39
